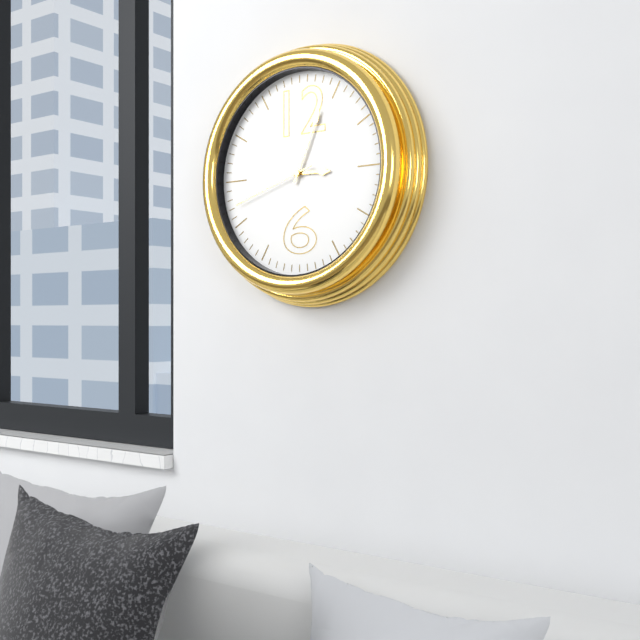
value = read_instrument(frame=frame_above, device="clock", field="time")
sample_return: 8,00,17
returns 3,04,42
